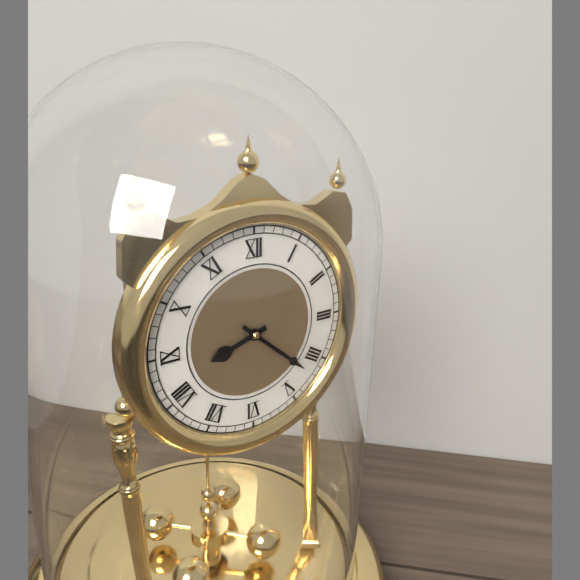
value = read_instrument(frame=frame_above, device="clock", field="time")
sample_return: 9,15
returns 8,22
